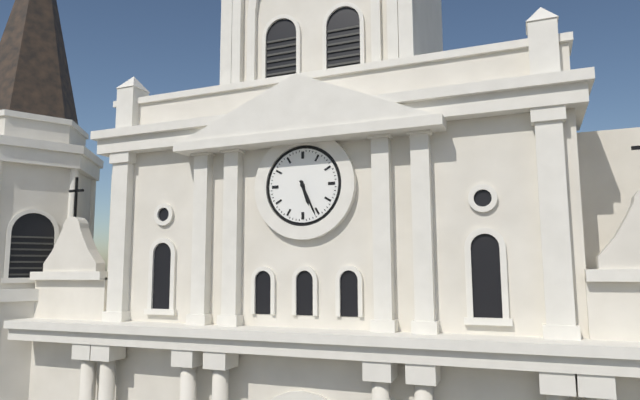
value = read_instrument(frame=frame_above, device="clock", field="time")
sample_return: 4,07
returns 5,26
